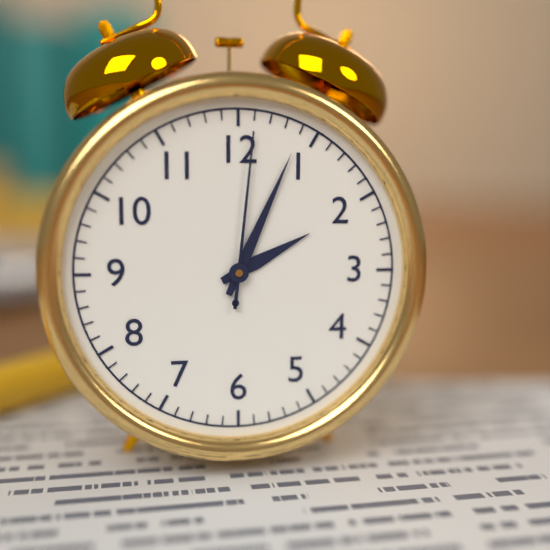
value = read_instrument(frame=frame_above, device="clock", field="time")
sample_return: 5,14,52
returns 2,04,01
